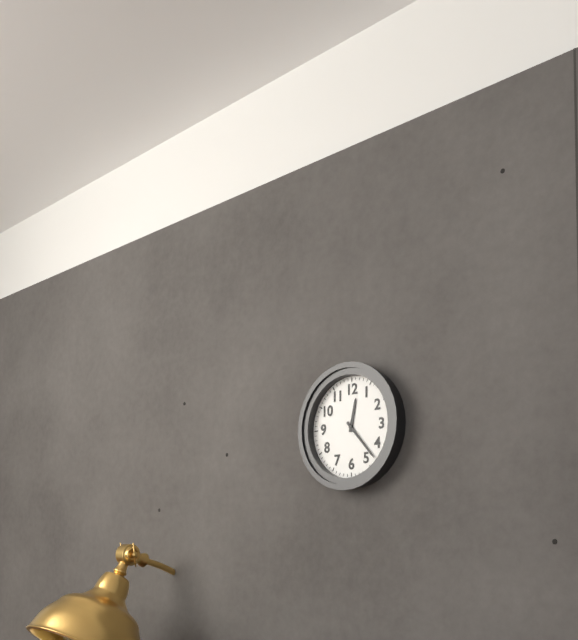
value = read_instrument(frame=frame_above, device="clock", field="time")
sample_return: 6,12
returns 12,23
